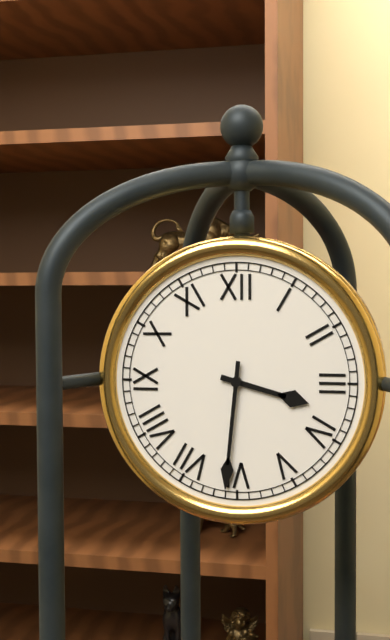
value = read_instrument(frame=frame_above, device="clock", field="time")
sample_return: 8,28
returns 3,31
